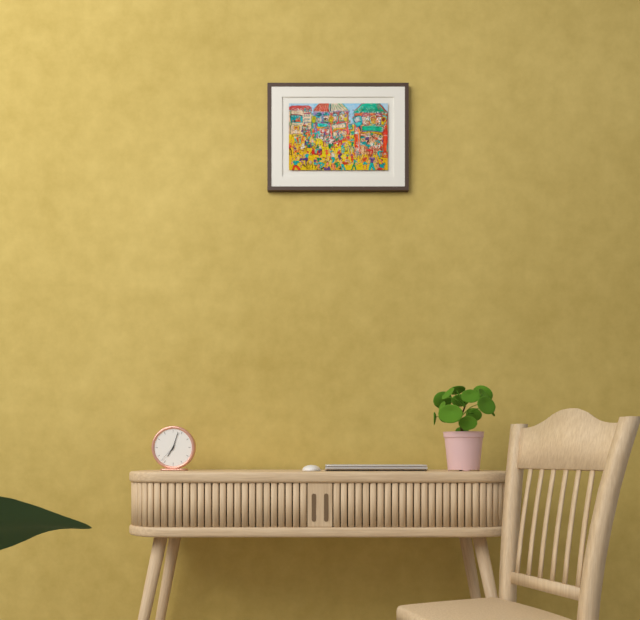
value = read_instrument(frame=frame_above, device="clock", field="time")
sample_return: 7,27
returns 7,03
